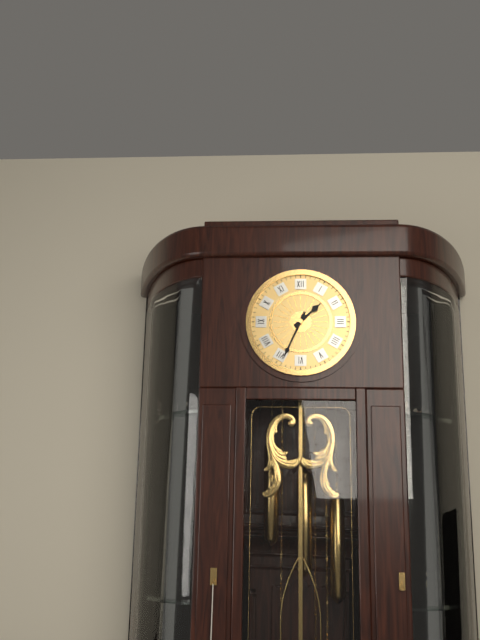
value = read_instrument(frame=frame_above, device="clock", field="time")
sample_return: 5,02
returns 1,34
